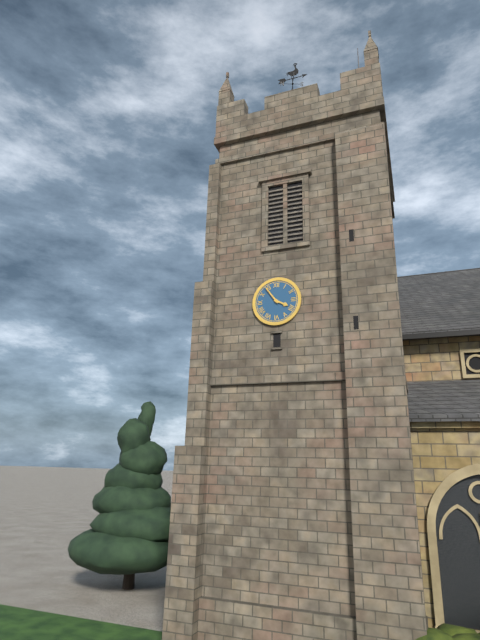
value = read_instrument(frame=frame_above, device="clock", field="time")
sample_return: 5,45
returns 3,54
